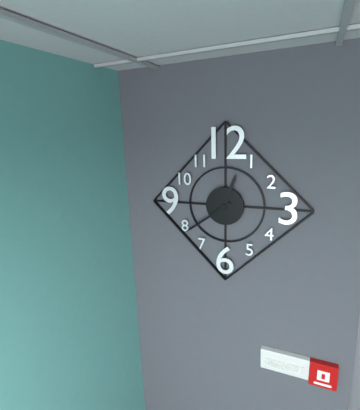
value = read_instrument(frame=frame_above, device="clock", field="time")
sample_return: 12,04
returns 12,39
